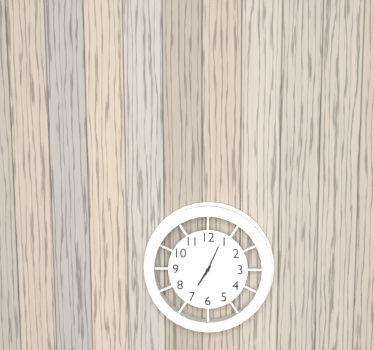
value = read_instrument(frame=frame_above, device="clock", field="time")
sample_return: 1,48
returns 7,04
